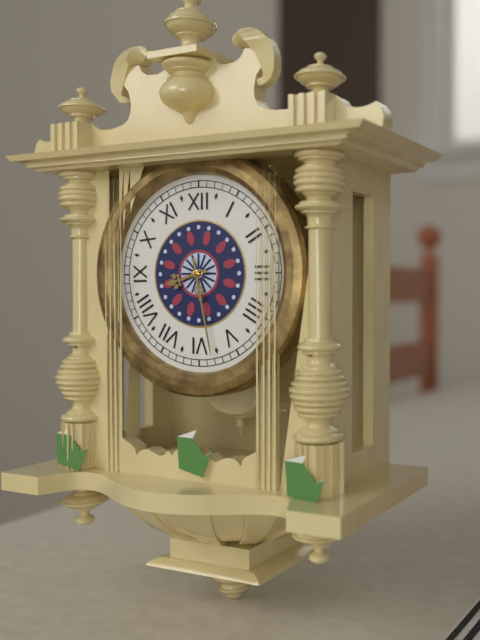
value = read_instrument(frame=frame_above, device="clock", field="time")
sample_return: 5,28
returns 8,28
